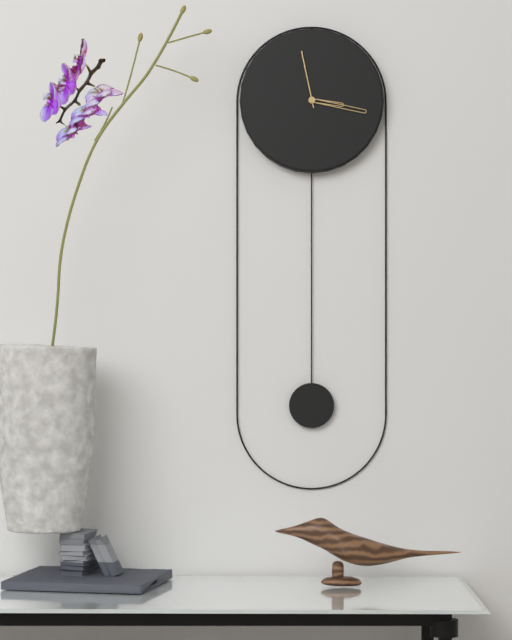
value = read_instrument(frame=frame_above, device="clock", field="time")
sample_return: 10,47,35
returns 3,17,58
